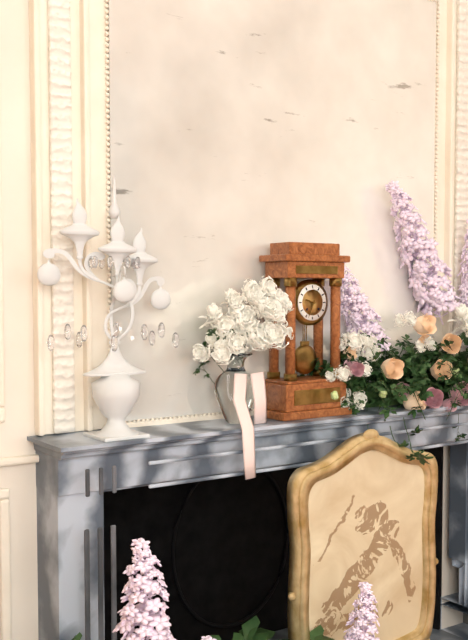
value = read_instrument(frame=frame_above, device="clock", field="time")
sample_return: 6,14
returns 9,34
